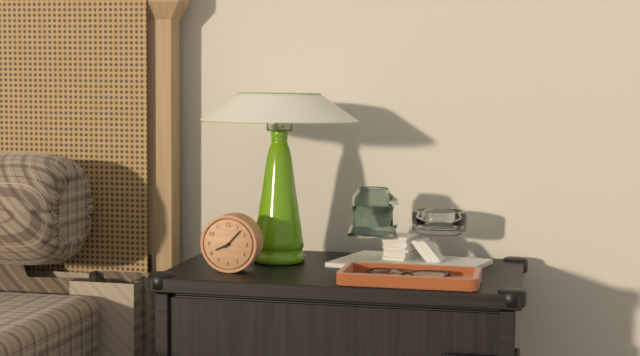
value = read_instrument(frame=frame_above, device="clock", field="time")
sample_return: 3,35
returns 8,07
